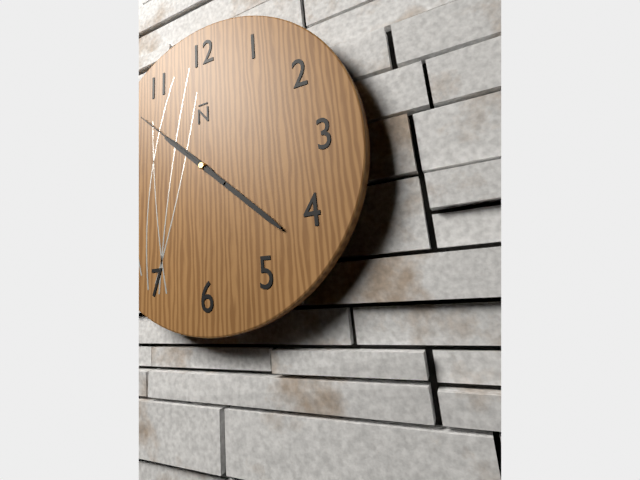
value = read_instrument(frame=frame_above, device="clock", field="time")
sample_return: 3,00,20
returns 10,22,52
